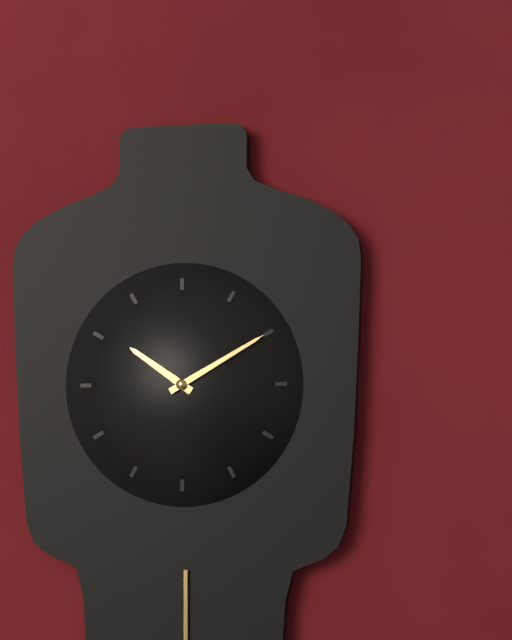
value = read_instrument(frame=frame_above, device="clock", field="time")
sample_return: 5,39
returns 10,10
